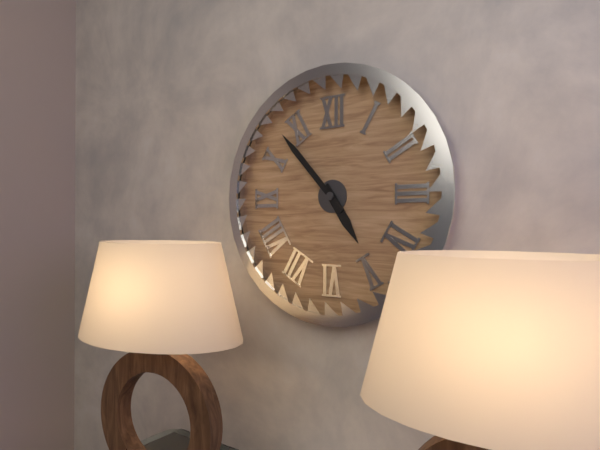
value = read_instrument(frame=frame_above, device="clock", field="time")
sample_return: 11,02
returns 4,53
